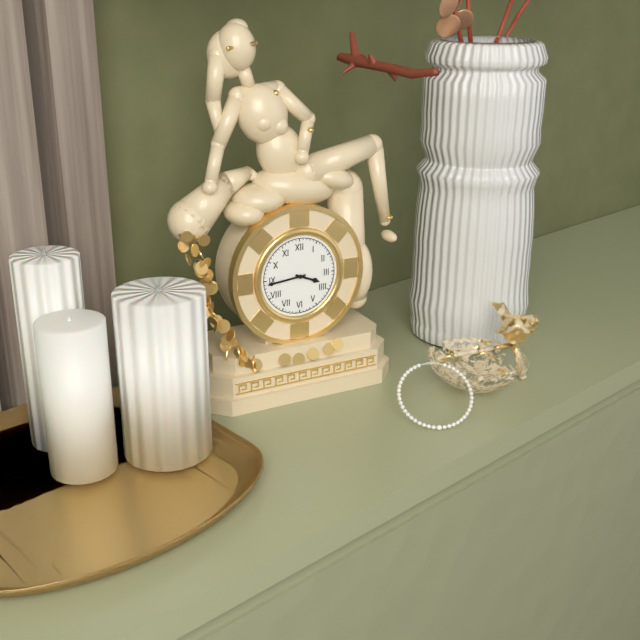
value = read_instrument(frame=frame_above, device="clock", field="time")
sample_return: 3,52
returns 3,44
